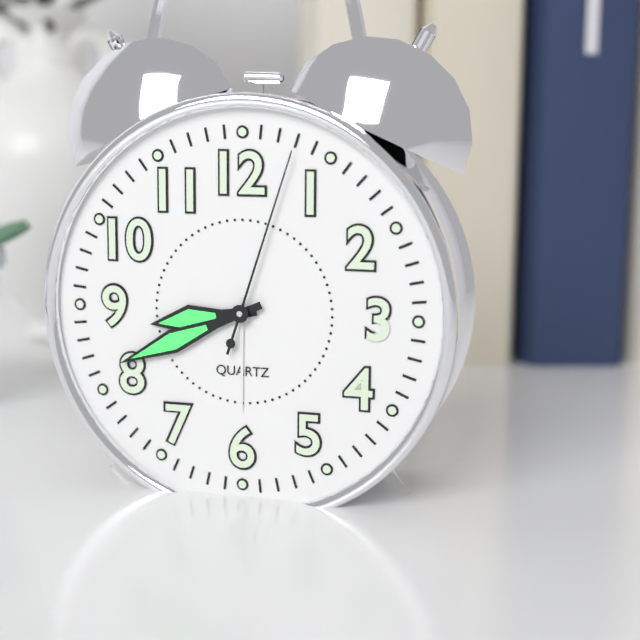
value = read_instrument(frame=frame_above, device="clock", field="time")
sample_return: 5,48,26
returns 8,41,03
